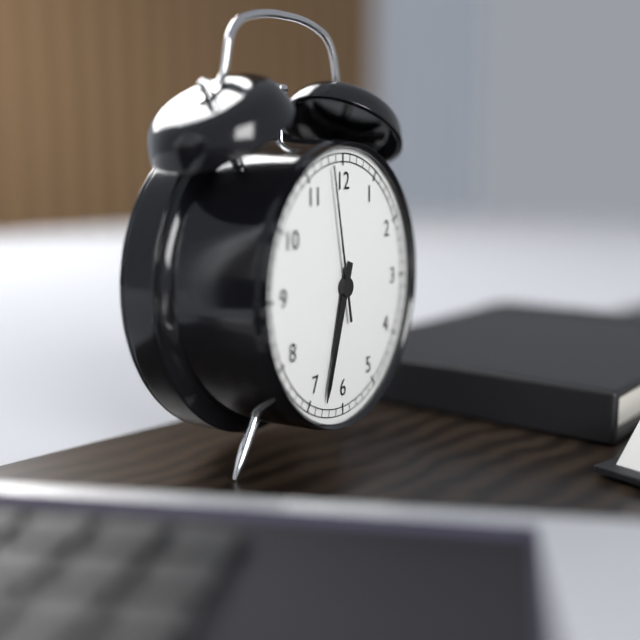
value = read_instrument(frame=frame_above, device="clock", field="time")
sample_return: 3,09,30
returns 6,33,58
